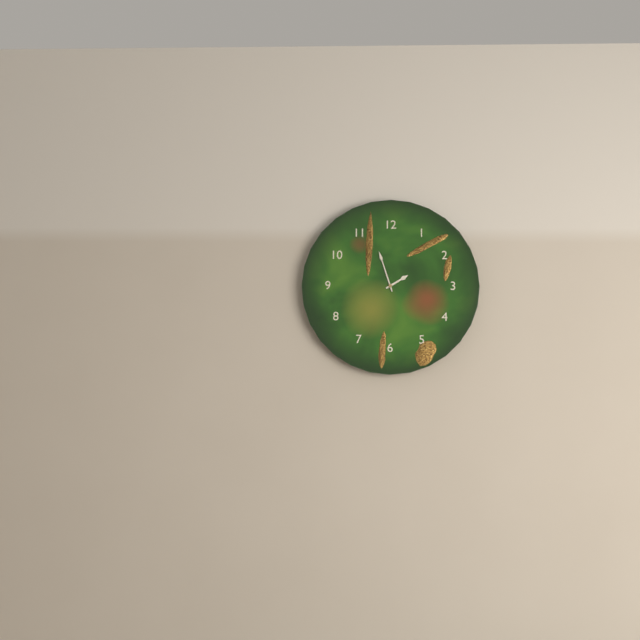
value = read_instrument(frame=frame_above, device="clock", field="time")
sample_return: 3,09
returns 1,57
